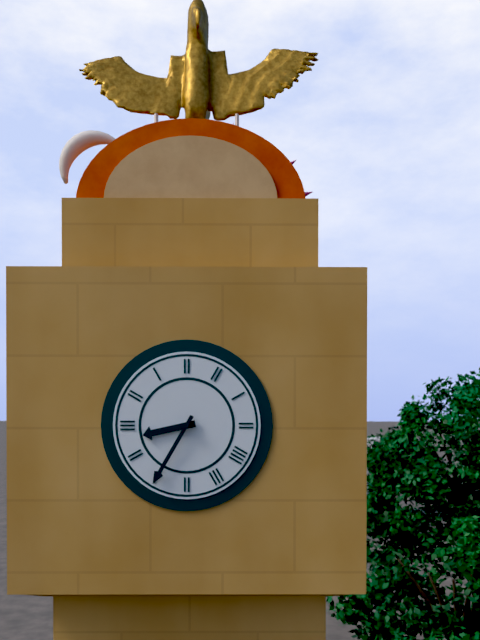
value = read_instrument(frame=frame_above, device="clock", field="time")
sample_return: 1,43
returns 8,35
